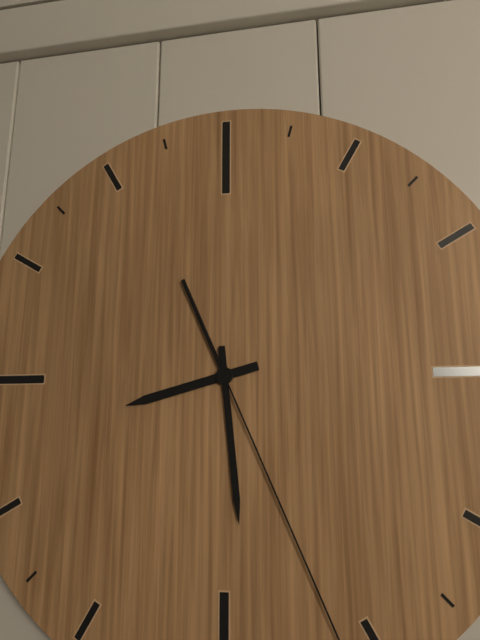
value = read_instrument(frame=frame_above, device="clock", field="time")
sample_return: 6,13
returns 8,29
